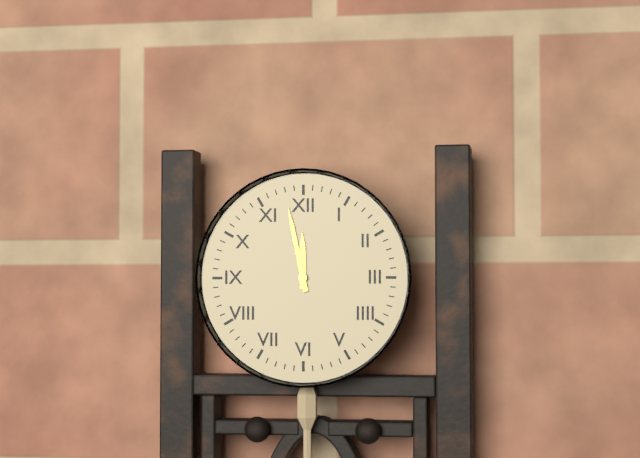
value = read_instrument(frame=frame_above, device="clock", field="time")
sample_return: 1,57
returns 11,58
